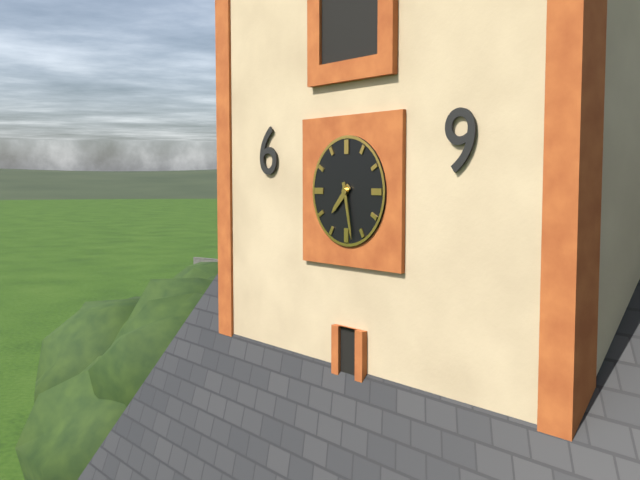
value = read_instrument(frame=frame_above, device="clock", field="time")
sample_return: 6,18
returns 7,28
